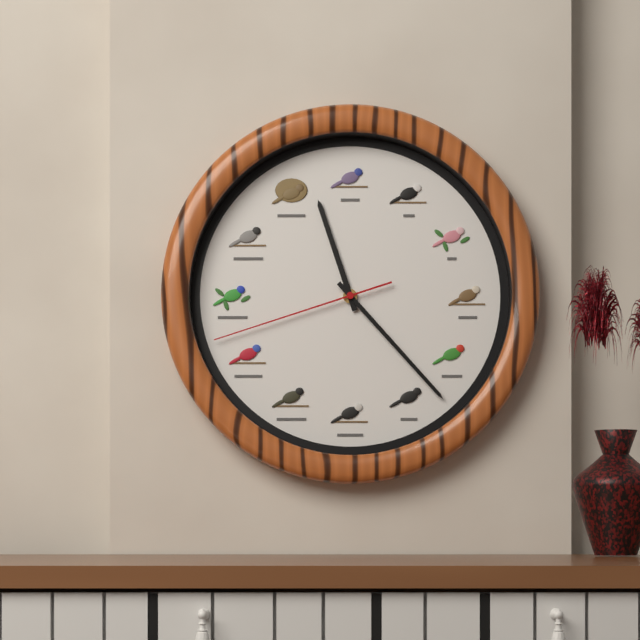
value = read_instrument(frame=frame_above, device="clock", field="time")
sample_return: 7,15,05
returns 11,23,42
